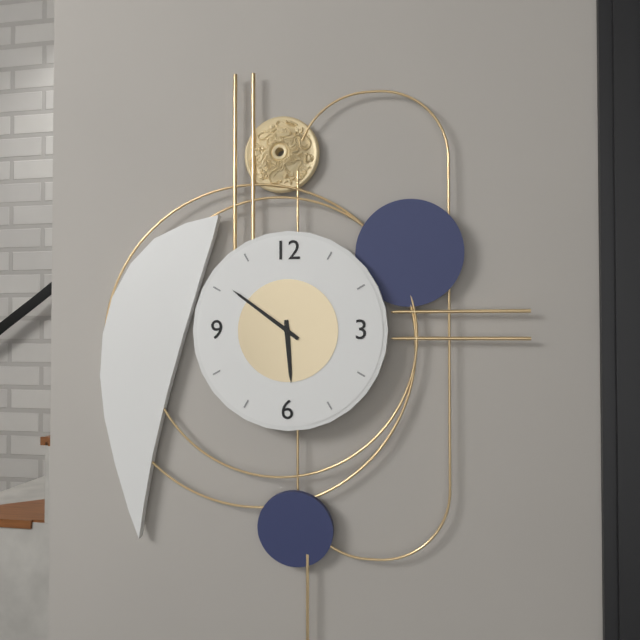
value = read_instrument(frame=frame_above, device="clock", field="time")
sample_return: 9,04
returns 5,51
